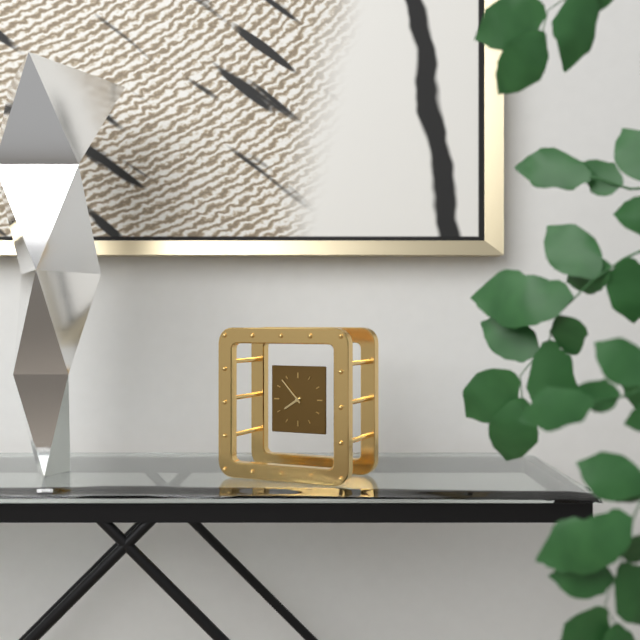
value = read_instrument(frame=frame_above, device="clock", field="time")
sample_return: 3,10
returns 7,53
